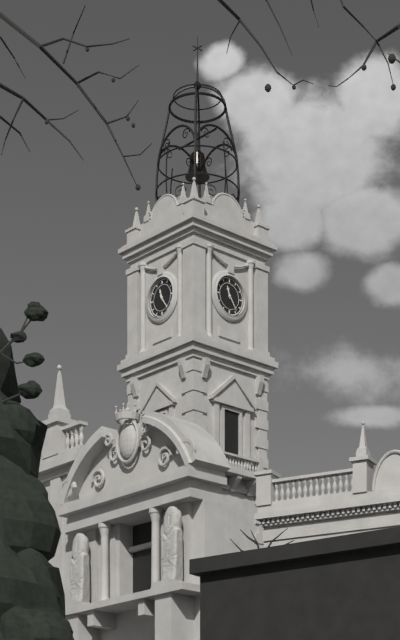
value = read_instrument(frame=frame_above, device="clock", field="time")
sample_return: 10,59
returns 11,24
